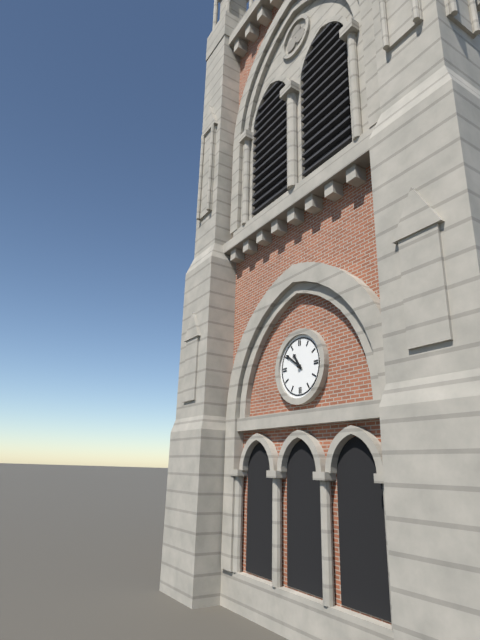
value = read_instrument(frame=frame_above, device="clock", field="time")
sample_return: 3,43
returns 10,51
